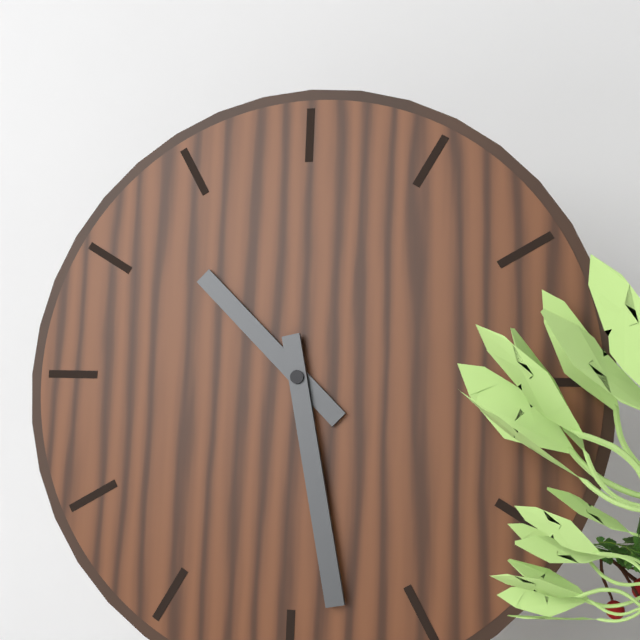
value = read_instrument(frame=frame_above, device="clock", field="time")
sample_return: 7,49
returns 10,28
